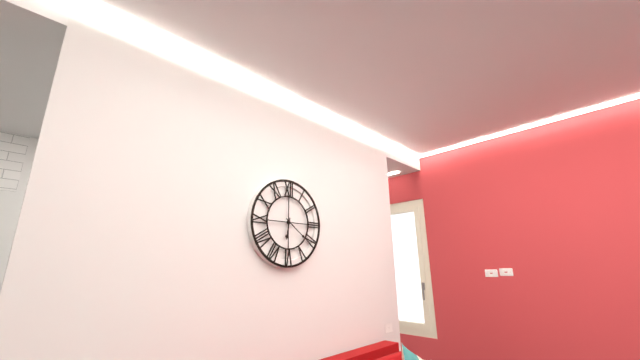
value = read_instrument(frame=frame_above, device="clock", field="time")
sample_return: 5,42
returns 6,21
